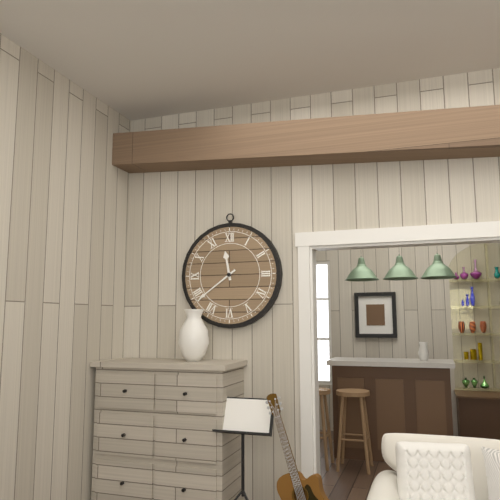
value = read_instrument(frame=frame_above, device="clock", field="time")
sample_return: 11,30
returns 11,39
